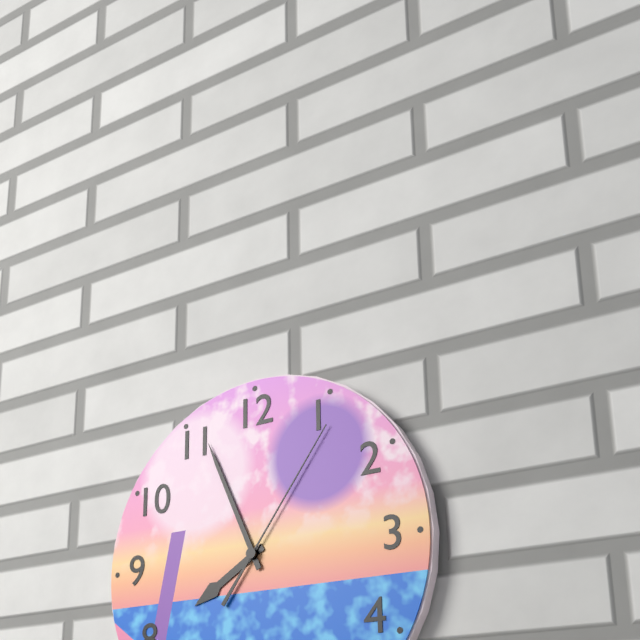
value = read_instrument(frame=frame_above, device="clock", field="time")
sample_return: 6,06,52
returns 7,56,06
